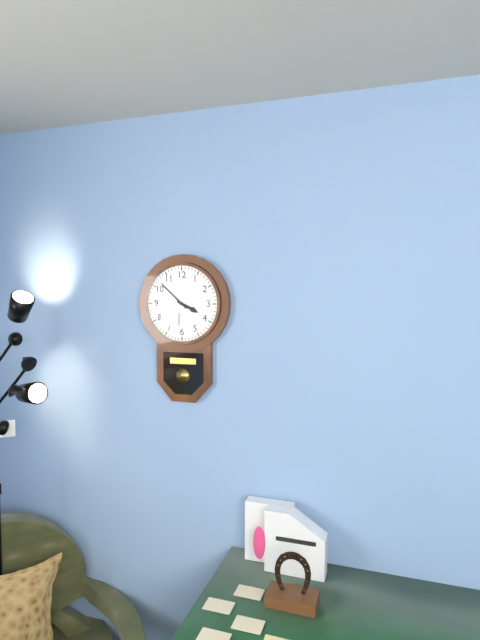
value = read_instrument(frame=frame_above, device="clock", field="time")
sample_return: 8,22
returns 3,52
